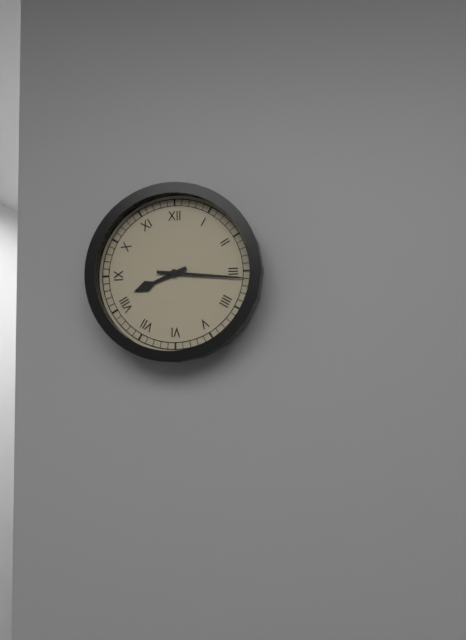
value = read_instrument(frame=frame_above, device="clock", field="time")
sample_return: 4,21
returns 8,16
